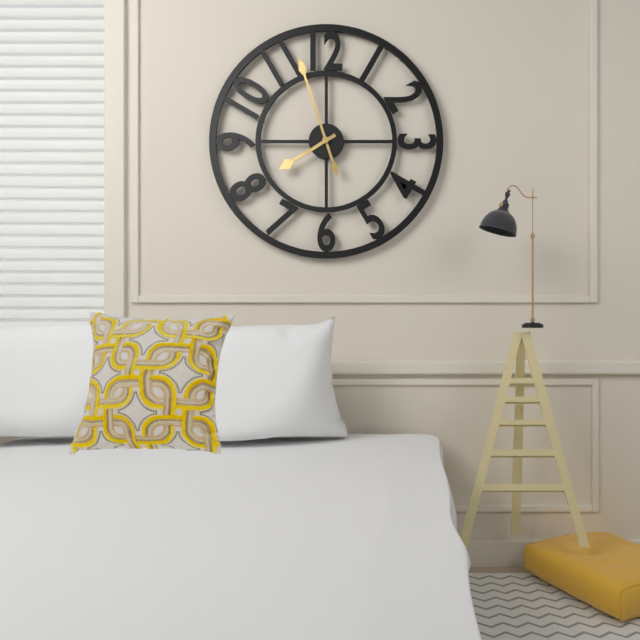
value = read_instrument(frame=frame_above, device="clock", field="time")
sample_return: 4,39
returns 7,57
